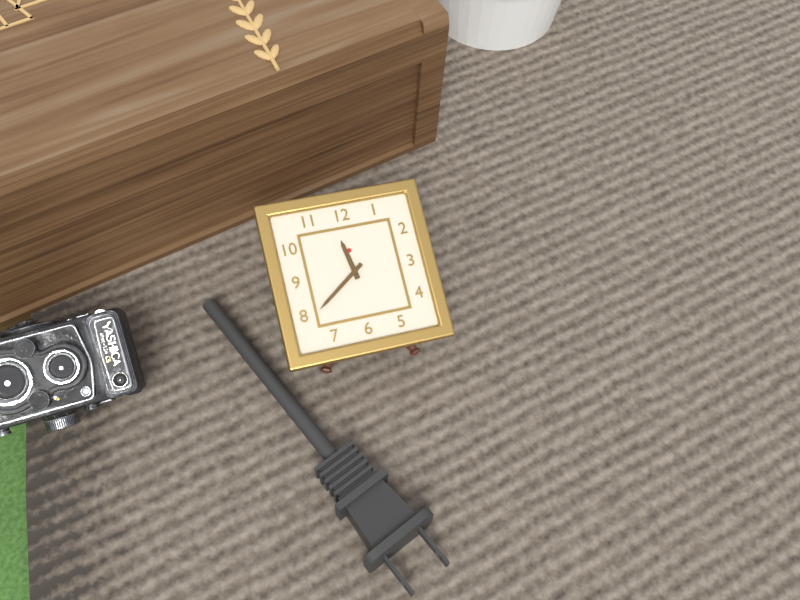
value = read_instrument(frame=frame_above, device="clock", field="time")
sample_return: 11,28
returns 11,39
